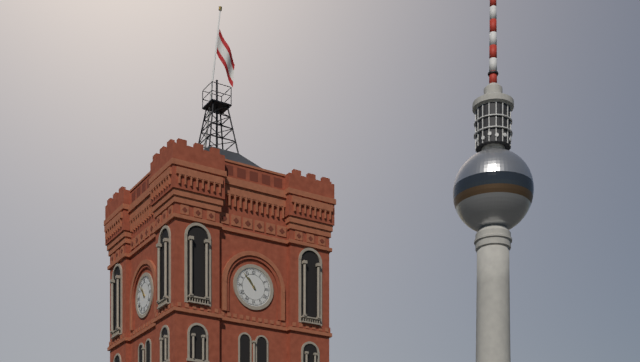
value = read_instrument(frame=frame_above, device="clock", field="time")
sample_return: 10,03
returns 10,53
